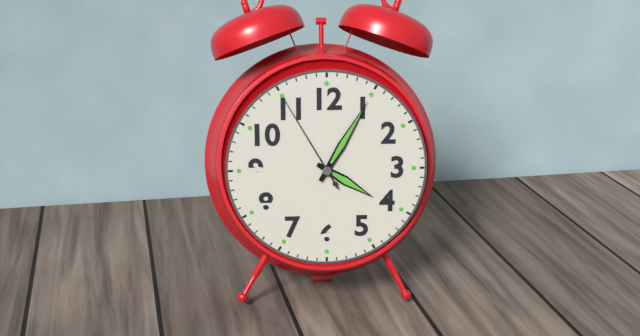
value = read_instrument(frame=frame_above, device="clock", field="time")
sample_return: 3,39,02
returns 4,05,55
